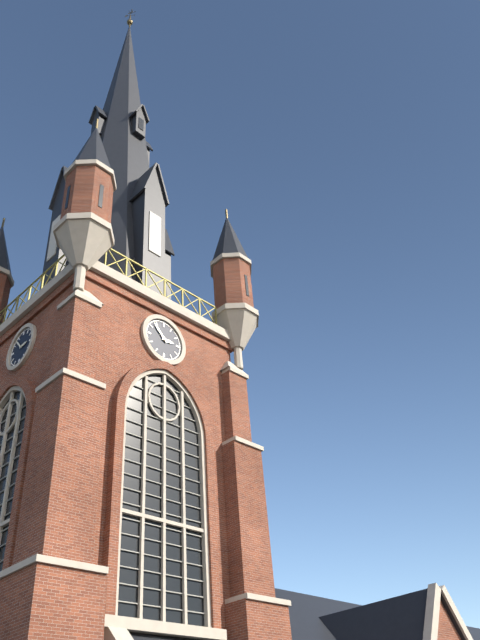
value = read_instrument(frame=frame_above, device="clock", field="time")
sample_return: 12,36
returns 2,53
